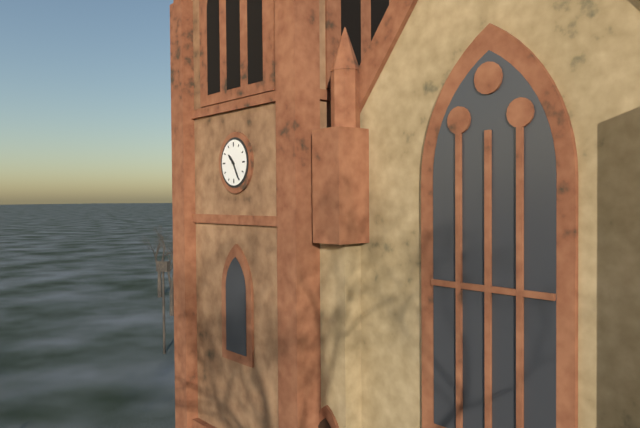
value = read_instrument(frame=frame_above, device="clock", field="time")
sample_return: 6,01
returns 10,25
